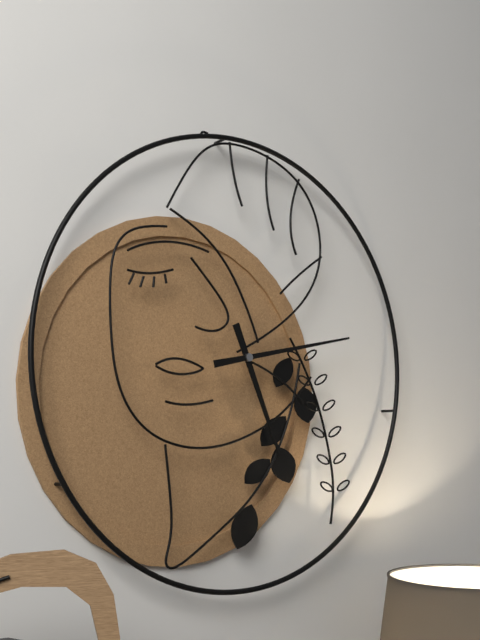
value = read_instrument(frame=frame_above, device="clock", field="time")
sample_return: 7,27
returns 5,13
